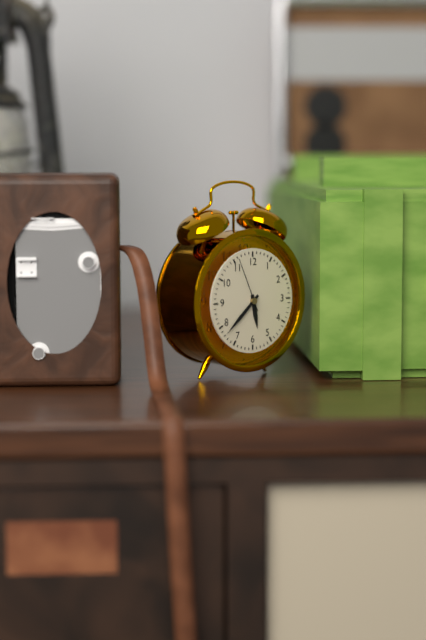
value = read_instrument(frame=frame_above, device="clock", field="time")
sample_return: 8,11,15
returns 5,38,56
